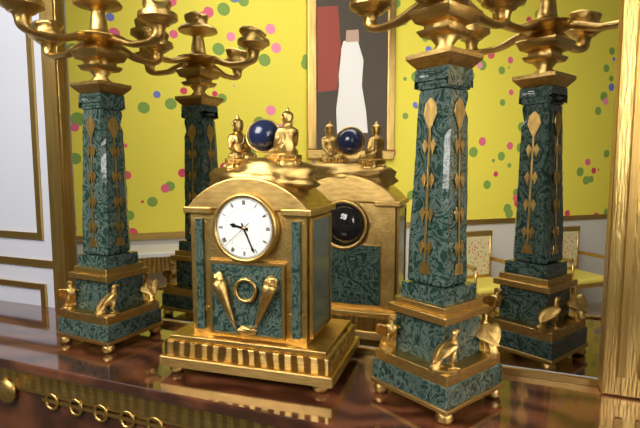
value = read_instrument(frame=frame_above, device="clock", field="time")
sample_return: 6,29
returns 9,26
